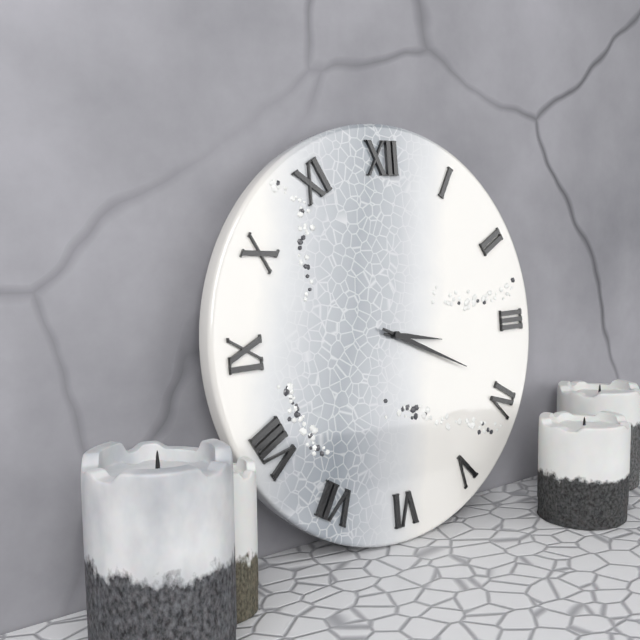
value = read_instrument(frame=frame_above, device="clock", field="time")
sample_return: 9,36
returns 3,19
